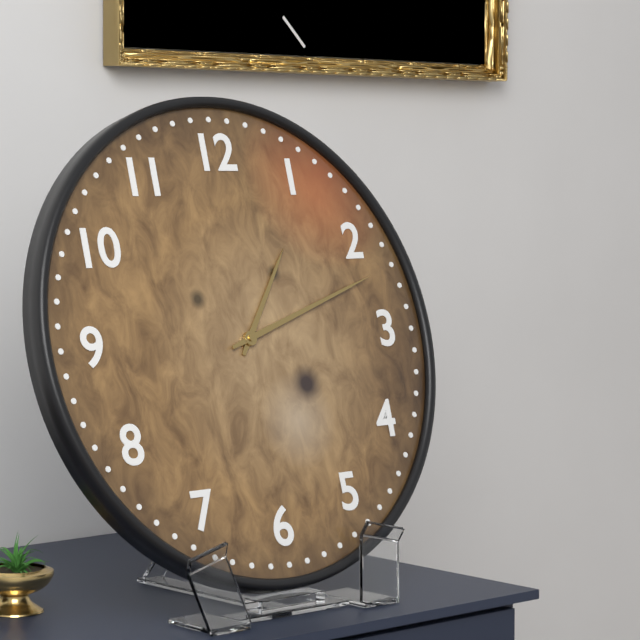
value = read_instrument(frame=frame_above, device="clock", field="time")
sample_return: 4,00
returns 1,12
